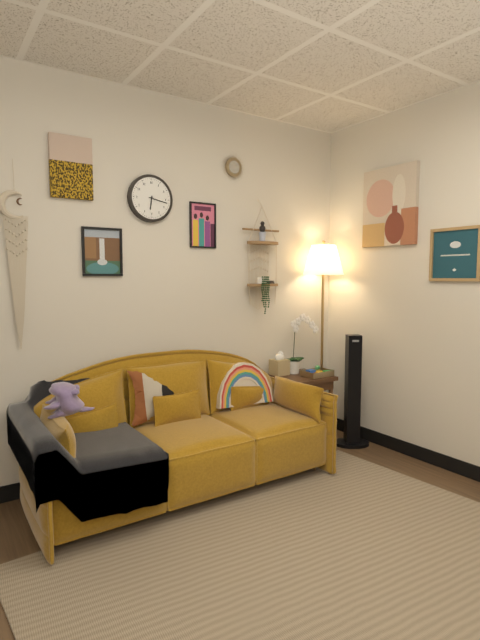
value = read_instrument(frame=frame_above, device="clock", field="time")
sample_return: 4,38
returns 6,17
